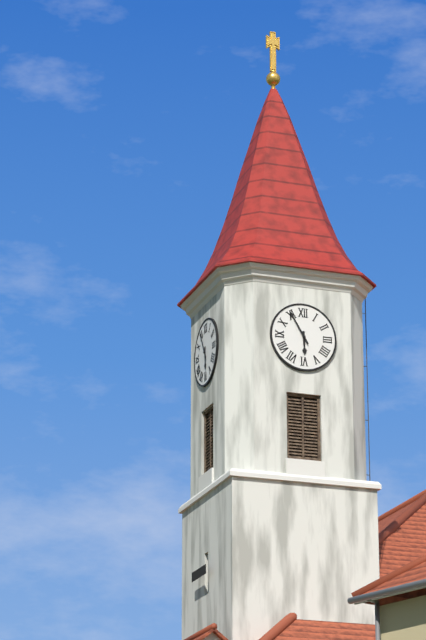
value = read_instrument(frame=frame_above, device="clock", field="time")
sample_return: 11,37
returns 5,55
